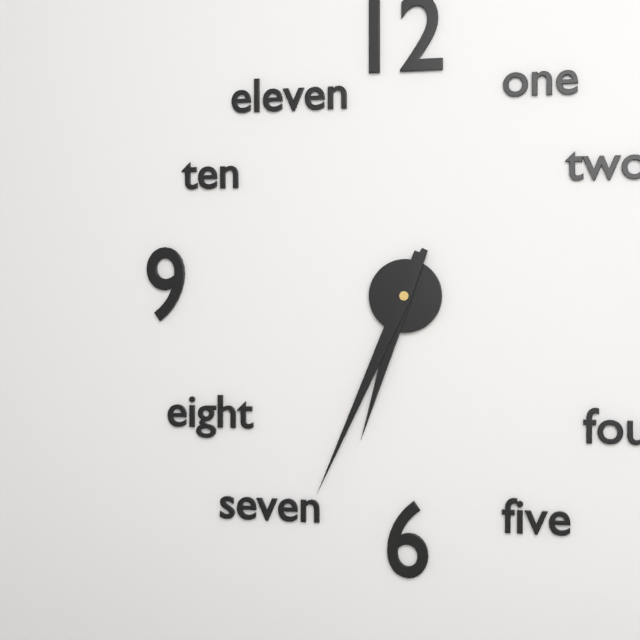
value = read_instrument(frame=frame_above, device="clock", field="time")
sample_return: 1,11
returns 6,34
